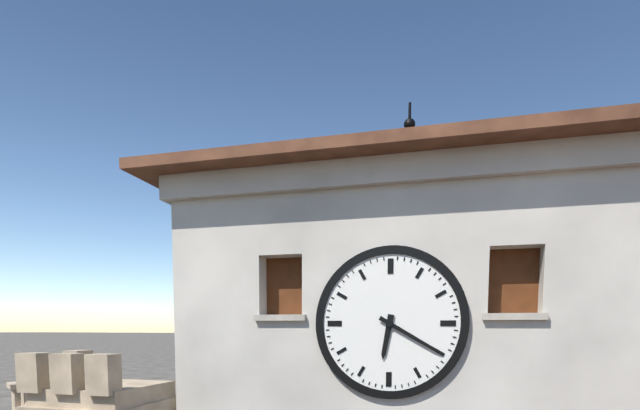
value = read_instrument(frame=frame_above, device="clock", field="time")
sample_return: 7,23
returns 6,20
